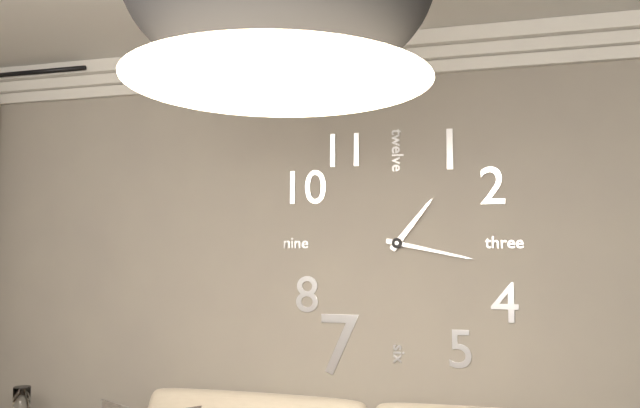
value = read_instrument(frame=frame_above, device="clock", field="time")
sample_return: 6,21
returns 1,17
